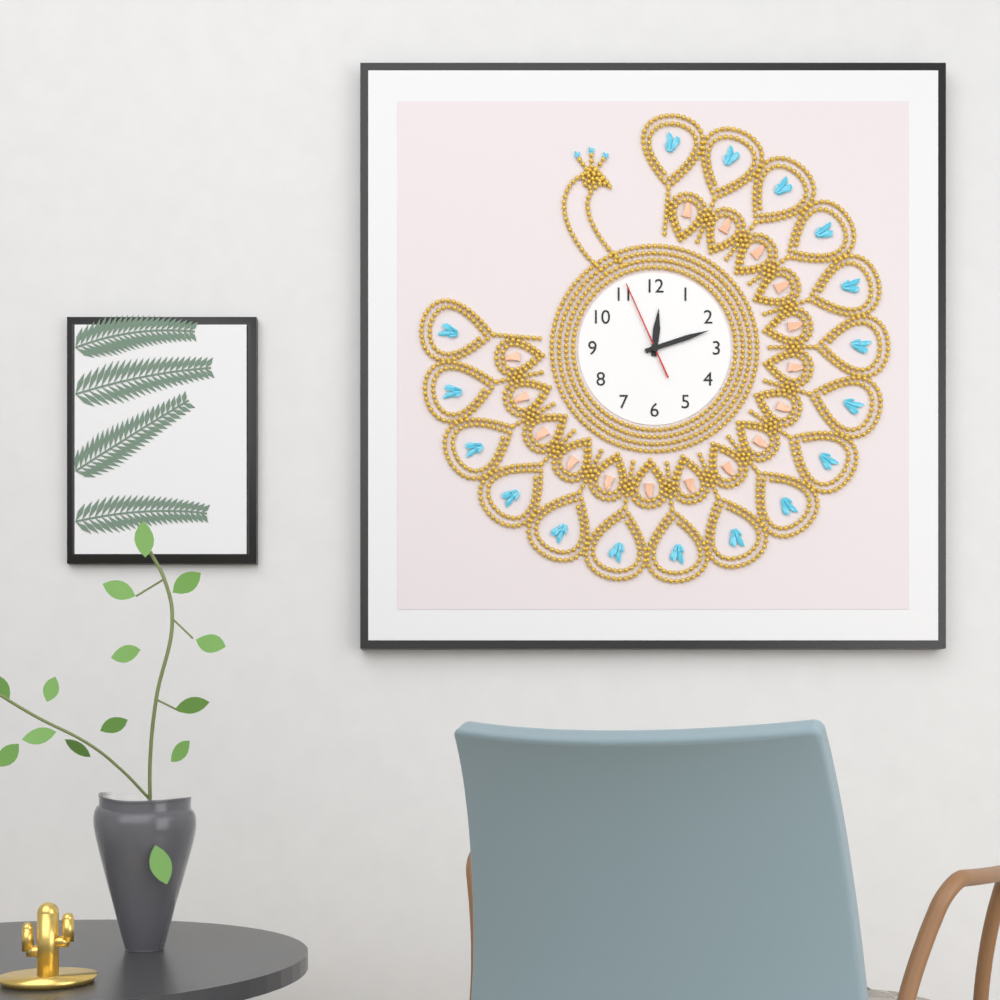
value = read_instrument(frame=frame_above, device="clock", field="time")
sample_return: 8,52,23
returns 12,12,56
